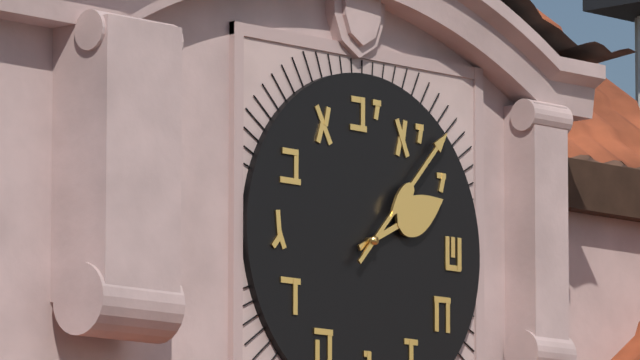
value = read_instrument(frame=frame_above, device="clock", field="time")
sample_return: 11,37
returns 2,07
